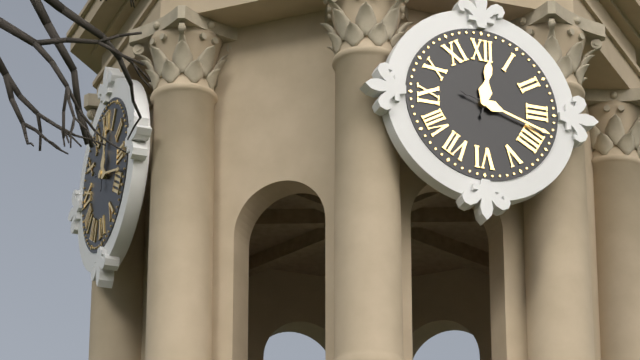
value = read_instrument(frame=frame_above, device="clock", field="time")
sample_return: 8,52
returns 12,18
